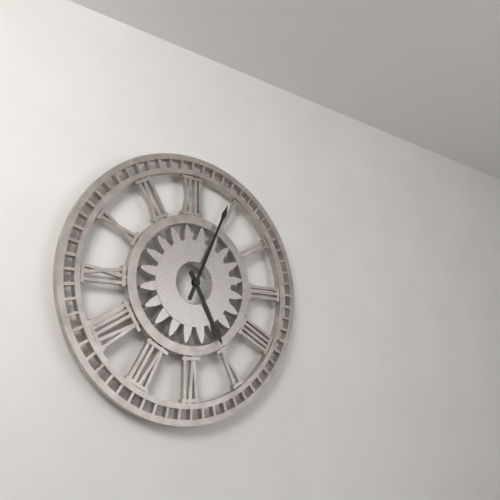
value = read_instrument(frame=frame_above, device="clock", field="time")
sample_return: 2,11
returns 5,04
